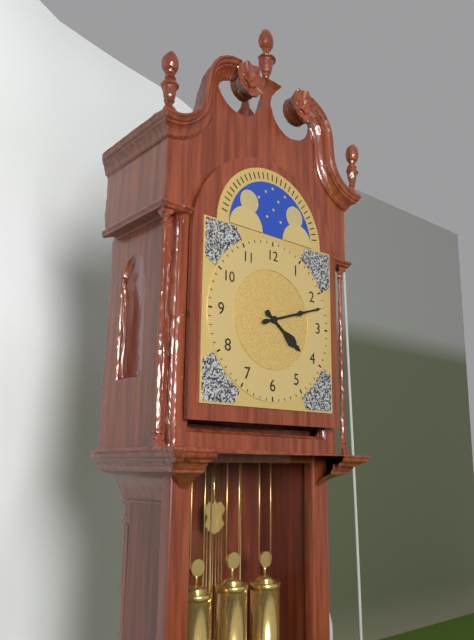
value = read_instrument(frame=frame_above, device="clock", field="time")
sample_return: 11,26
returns 4,12
